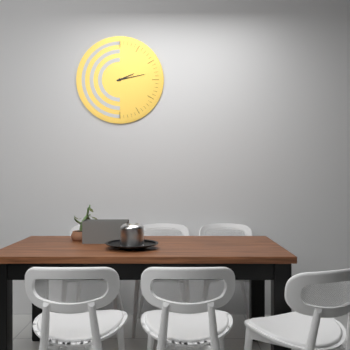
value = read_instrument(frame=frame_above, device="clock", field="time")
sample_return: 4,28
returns 2,13
